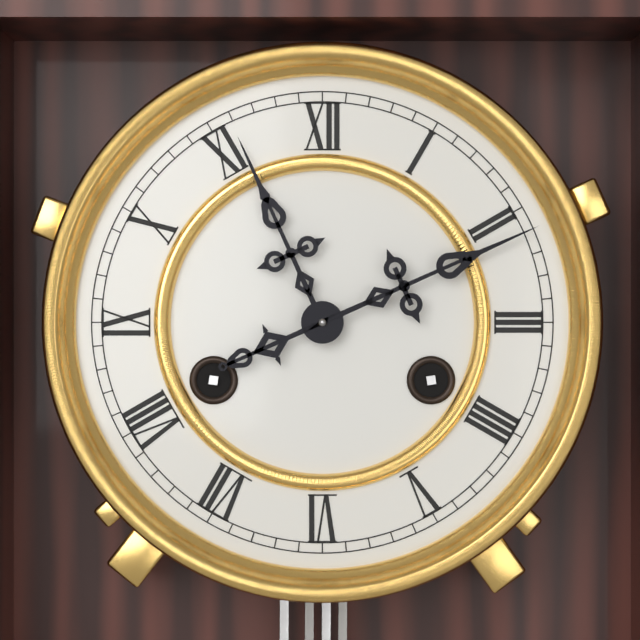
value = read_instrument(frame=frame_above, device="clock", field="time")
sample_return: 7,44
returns 11,11
